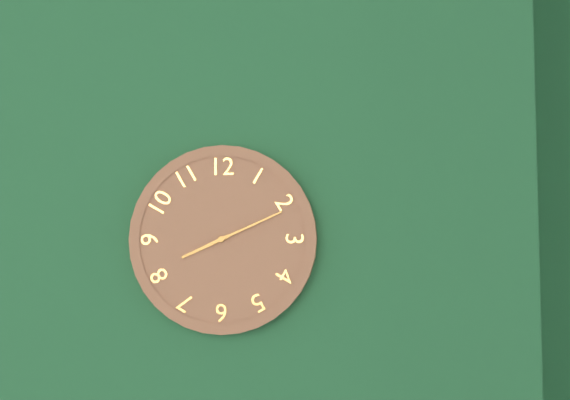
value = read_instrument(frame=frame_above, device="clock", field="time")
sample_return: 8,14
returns 8,11
